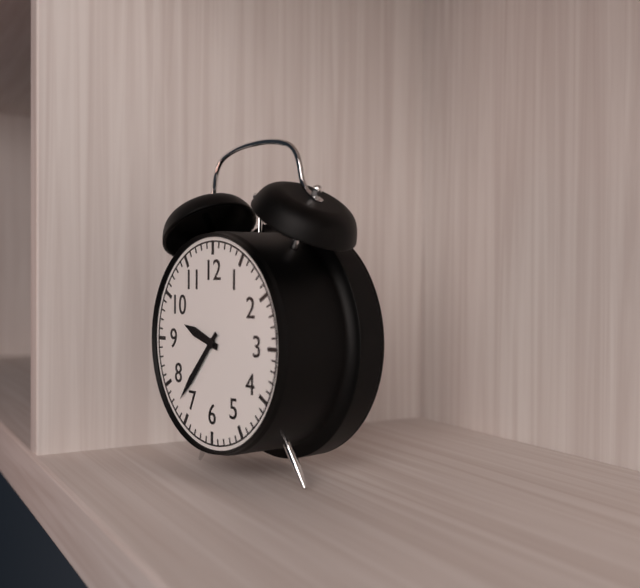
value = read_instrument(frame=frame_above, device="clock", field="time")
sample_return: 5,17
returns 9,37
